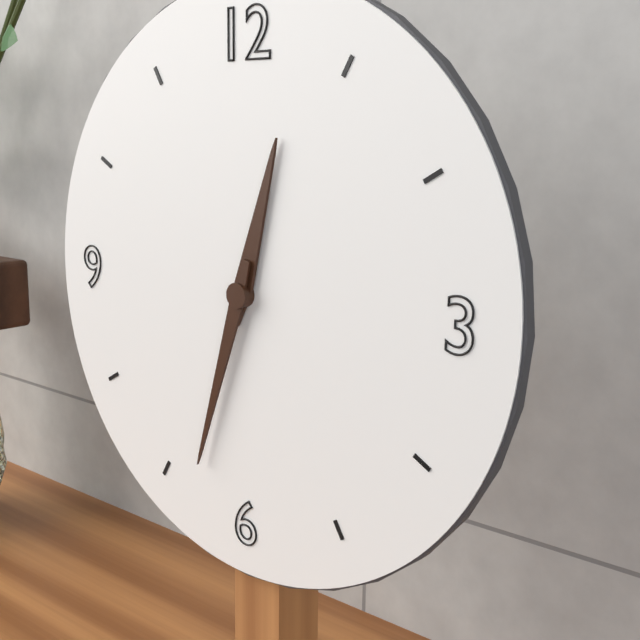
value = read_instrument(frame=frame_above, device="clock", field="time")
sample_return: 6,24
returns 12,33
